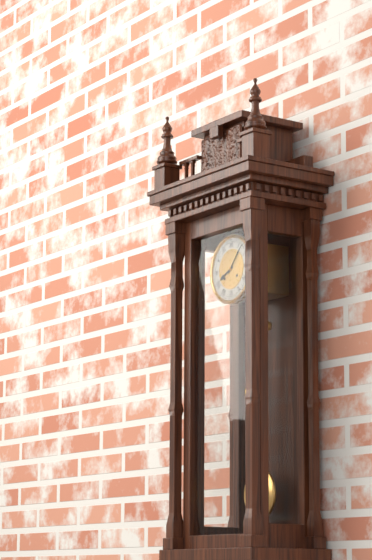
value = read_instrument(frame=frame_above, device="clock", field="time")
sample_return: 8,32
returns 8,07
